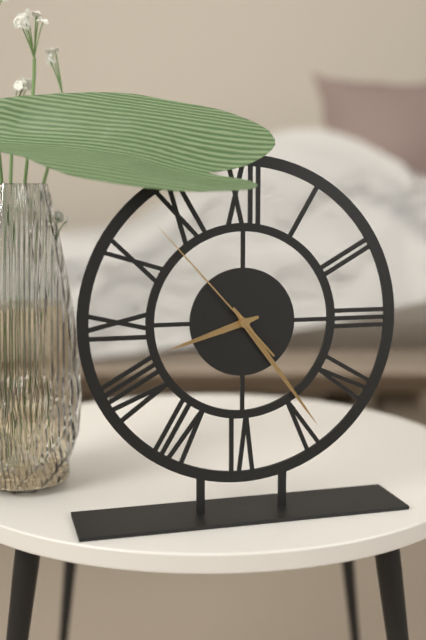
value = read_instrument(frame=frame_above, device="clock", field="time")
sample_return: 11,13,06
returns 8,24,53
